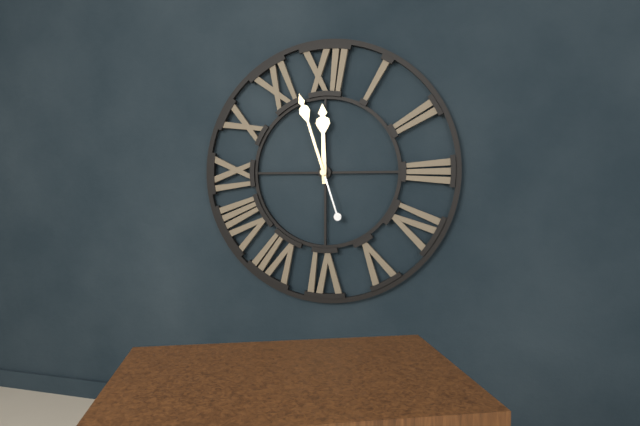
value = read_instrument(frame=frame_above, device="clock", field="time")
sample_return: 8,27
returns 11,57
